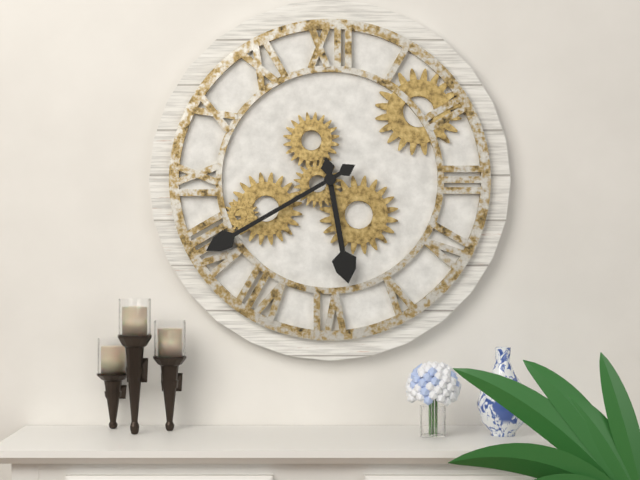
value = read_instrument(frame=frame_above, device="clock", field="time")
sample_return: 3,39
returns 5,40
